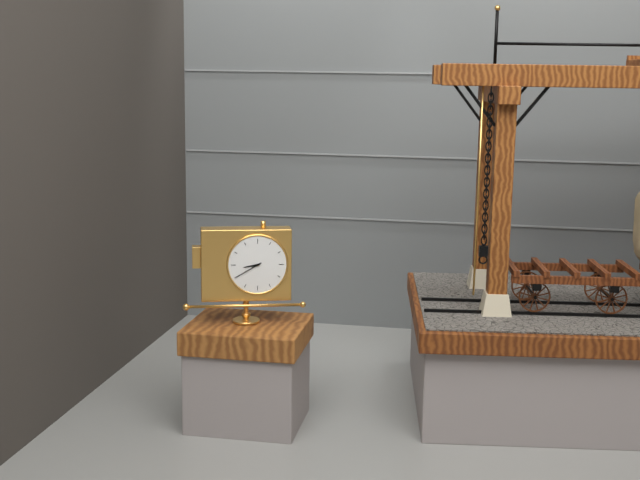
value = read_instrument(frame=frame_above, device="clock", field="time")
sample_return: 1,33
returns 8,40
